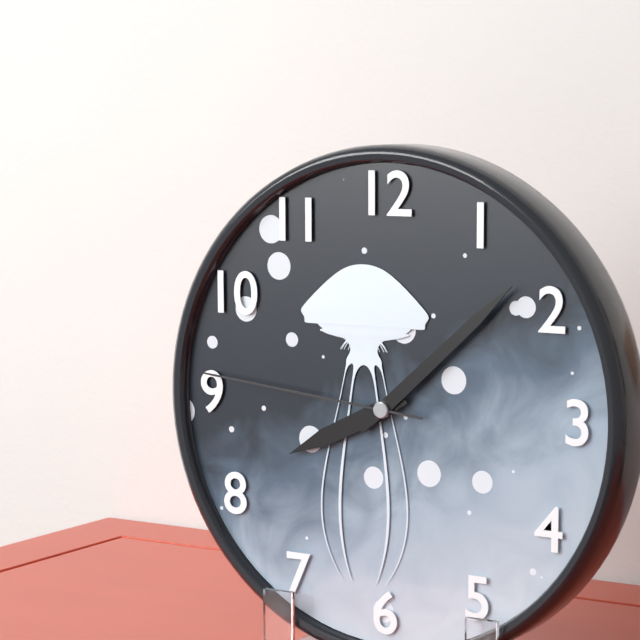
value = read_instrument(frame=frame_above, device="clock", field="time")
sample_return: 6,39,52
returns 8,08,46
